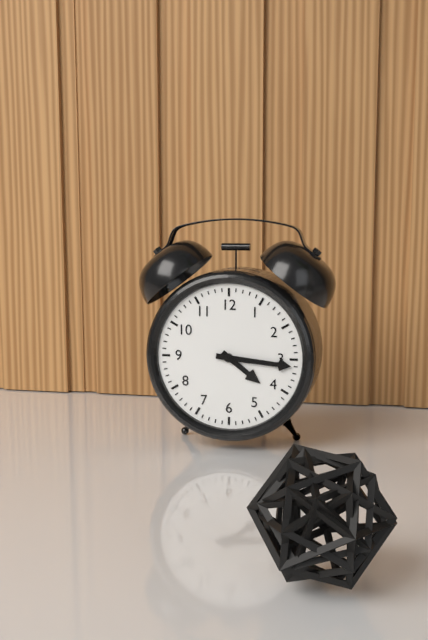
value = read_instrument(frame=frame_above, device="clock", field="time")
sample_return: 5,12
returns 4,16
